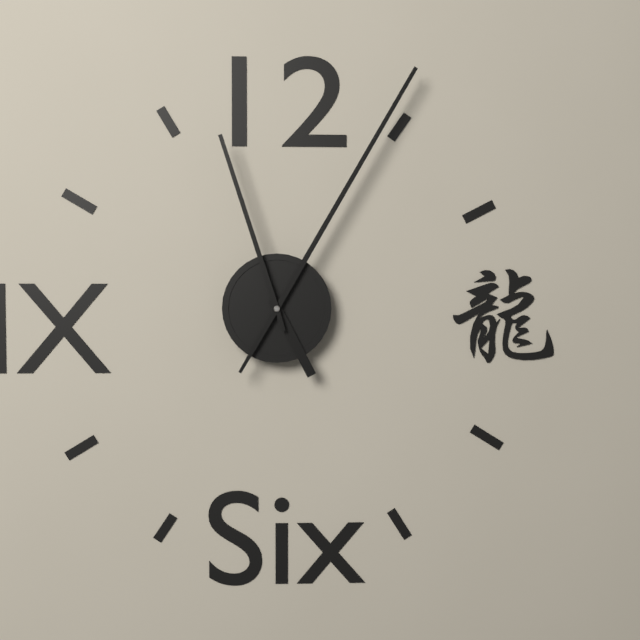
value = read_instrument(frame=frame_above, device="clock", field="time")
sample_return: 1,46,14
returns 5,05,57
